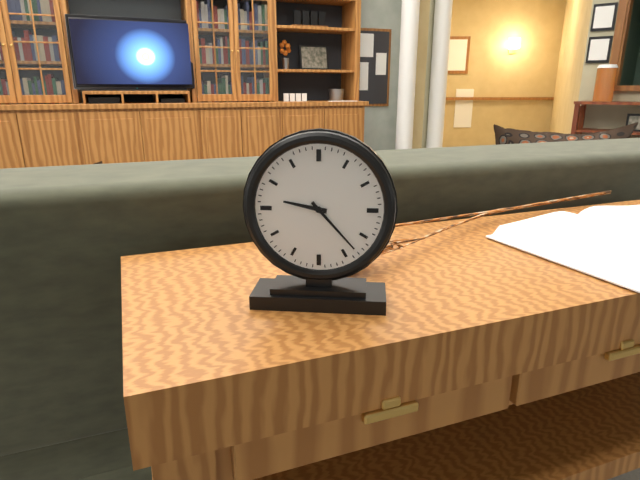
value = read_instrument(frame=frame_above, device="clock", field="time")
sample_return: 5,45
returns 9,23
